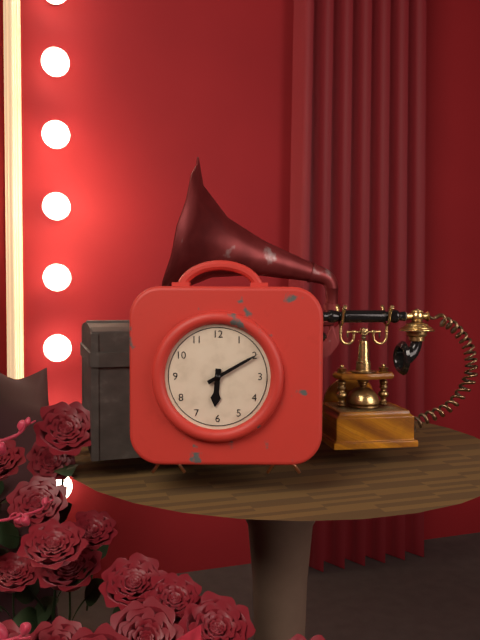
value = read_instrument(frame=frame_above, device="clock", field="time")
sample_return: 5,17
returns 6,10
